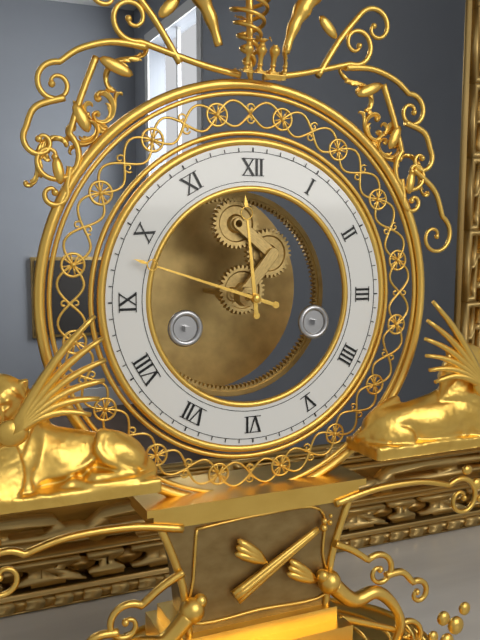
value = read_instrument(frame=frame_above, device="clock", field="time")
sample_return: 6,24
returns 11,48
